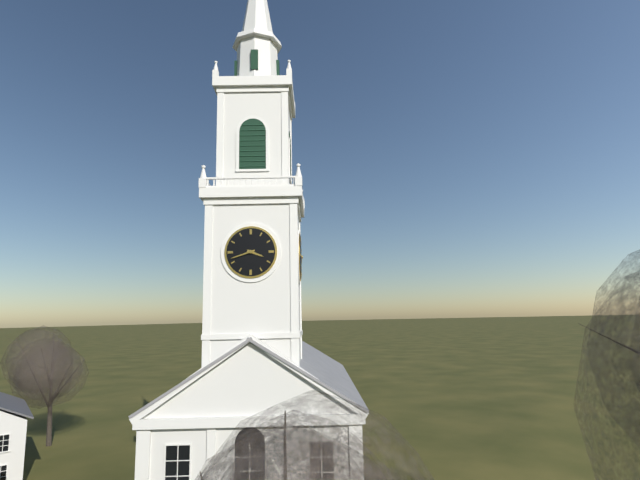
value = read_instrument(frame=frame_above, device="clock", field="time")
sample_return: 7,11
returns 3,42
